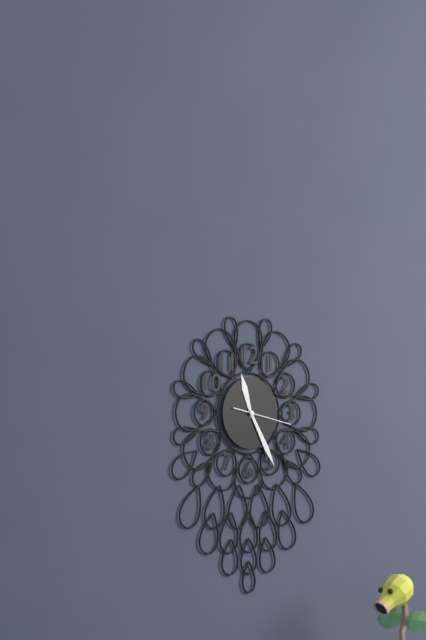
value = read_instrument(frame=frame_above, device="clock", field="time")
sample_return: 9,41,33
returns 11,25,17
